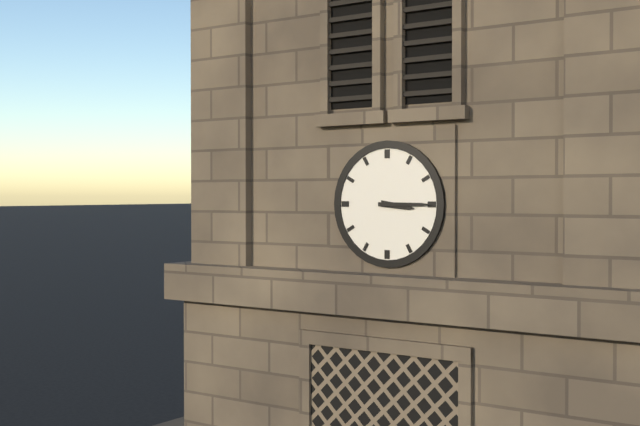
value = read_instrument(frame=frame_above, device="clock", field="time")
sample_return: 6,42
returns 3,15
